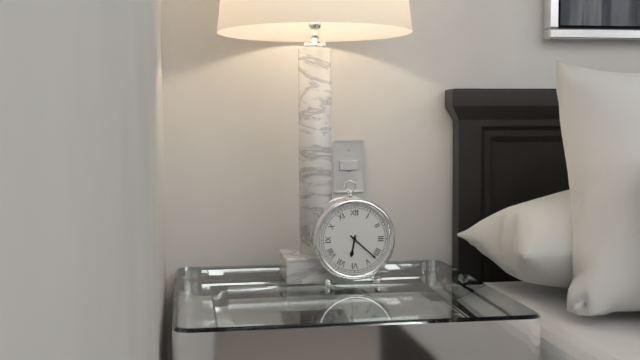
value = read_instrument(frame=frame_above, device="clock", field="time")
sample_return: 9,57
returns 6,22
